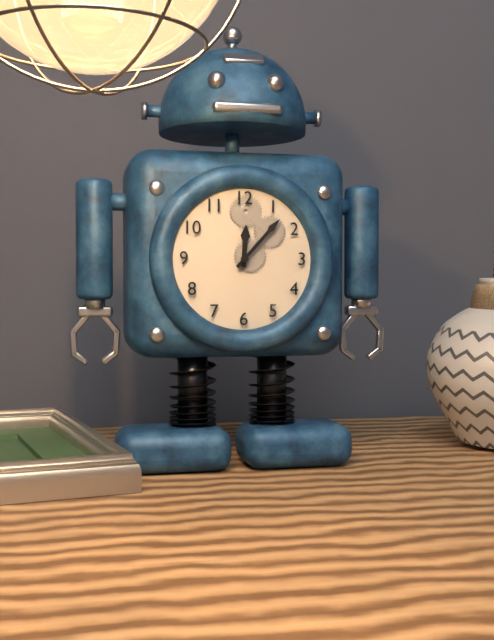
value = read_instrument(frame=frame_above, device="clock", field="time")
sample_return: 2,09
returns 12,07
